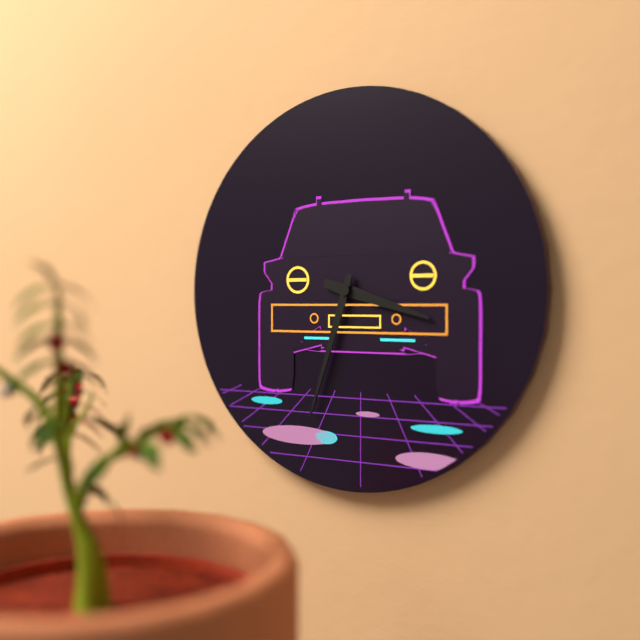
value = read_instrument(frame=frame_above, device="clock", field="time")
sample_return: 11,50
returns 3,33
